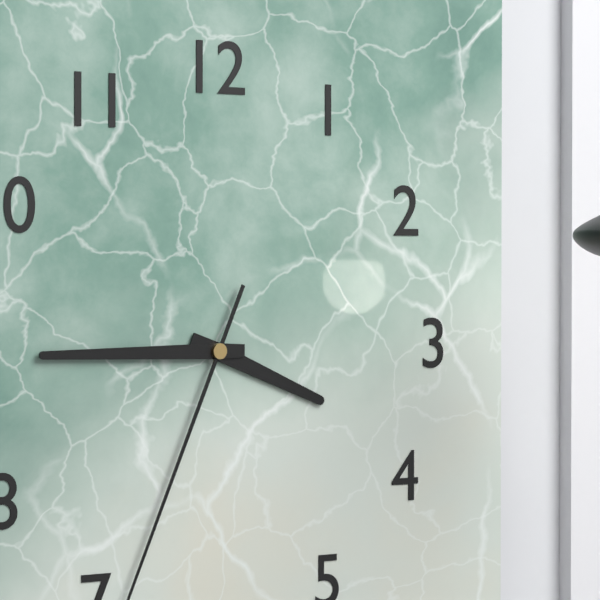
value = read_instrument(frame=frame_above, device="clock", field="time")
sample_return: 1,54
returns 3,45
